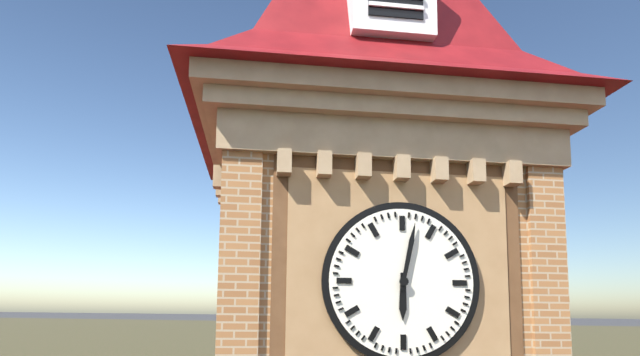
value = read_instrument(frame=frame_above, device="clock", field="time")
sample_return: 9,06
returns 6,02
